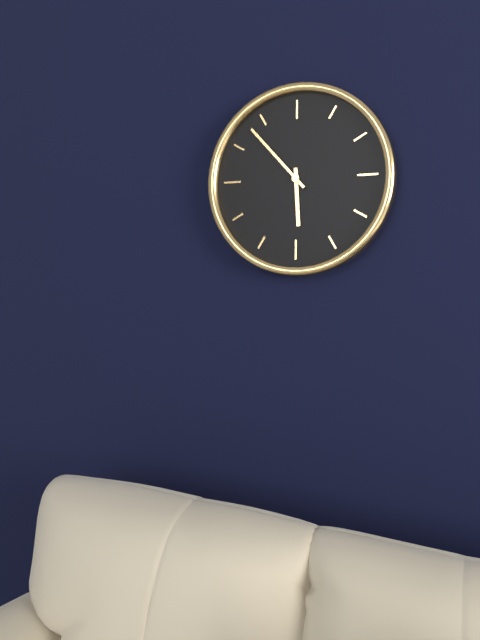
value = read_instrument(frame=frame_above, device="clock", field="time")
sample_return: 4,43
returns 5,53
